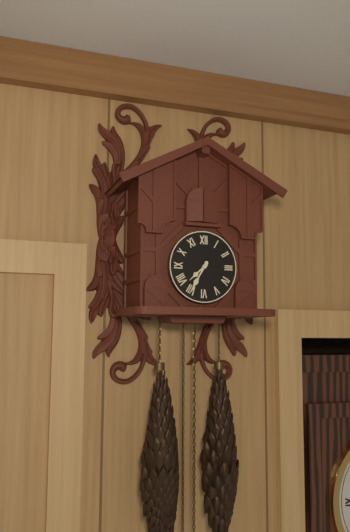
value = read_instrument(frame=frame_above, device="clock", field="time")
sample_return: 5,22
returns 7,35
